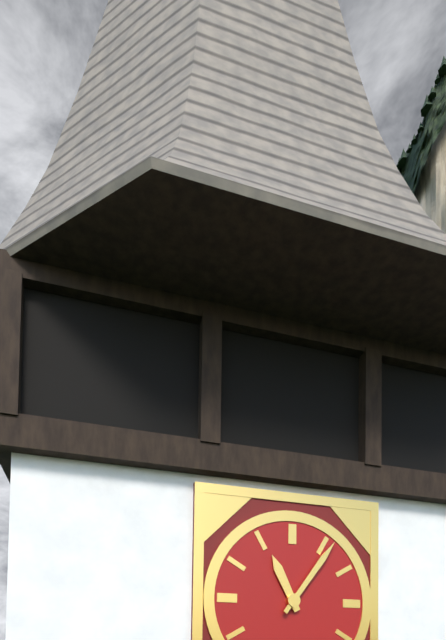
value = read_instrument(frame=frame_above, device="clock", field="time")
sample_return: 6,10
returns 11,06
